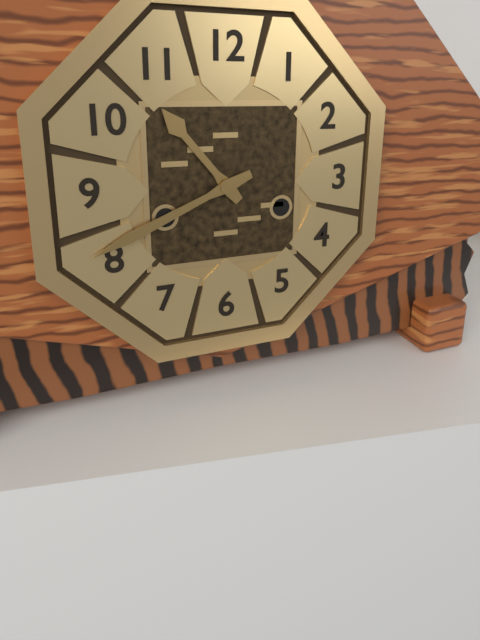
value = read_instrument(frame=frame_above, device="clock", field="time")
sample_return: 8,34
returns 10,41
